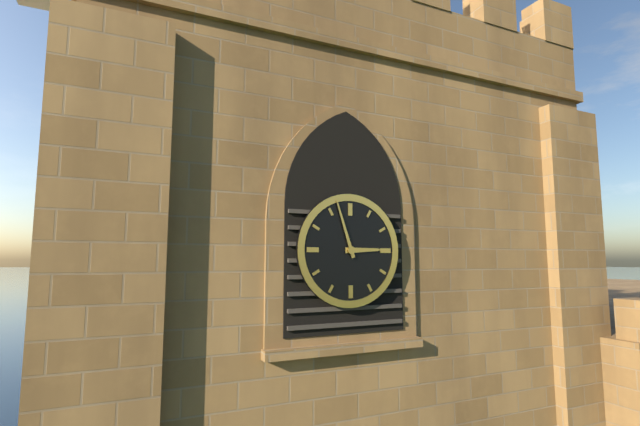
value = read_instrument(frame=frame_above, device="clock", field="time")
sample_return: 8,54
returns 2,57
